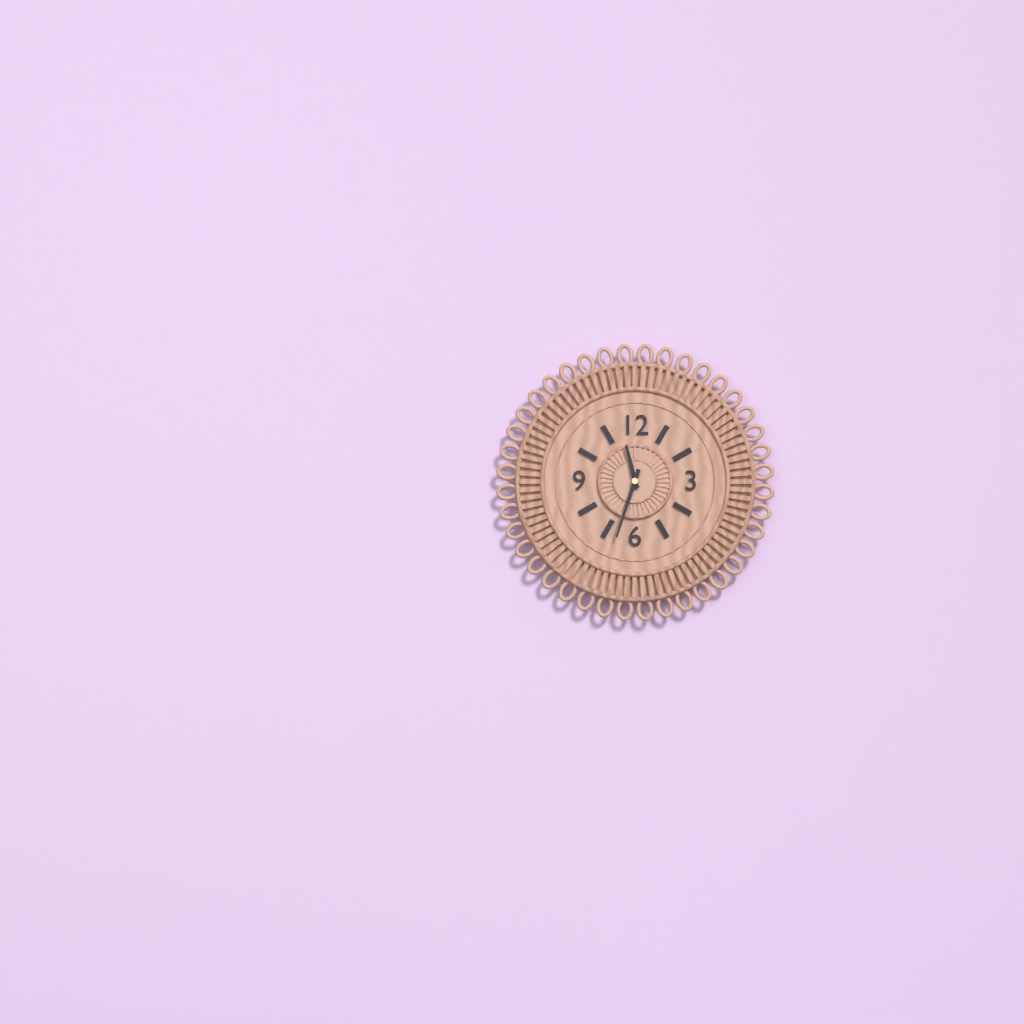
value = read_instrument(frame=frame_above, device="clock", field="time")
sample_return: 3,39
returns 11,33
